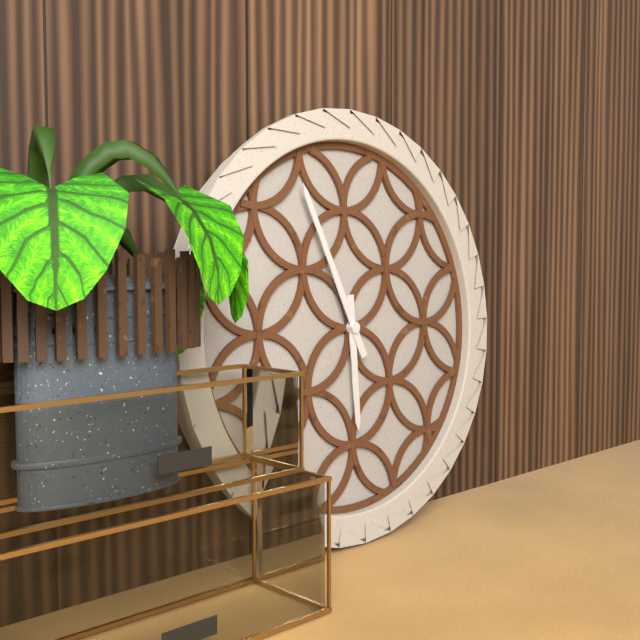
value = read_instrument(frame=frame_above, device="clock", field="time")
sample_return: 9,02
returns 5,56
